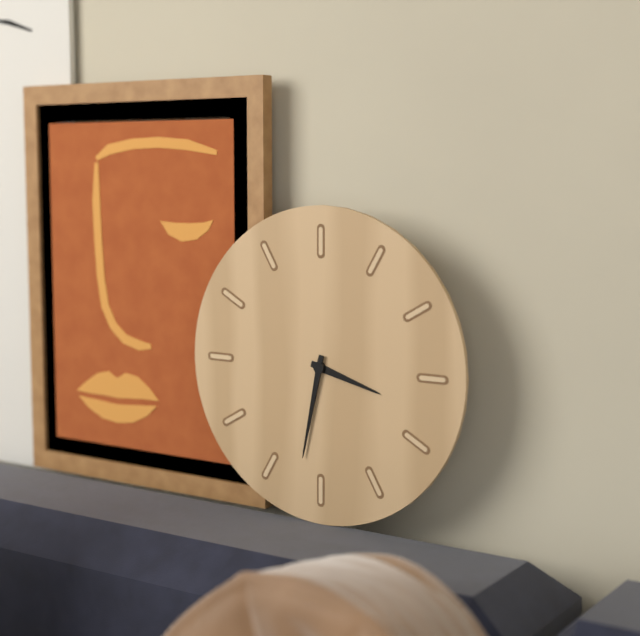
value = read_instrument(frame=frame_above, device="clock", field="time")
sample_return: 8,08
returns 3,32
